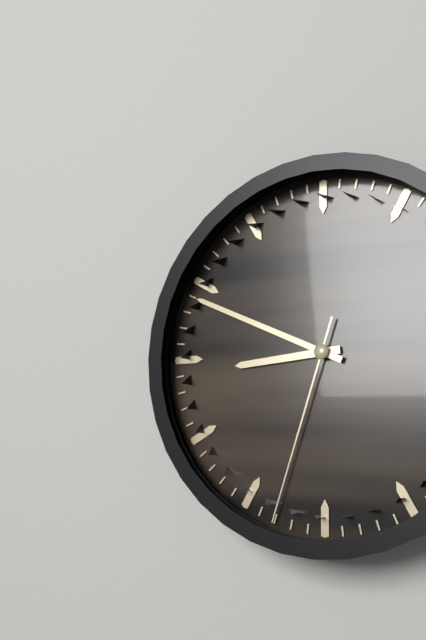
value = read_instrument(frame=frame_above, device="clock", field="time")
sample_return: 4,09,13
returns 8,49,33
